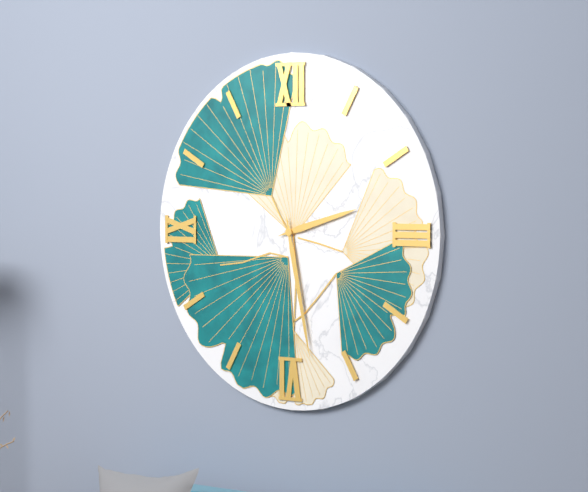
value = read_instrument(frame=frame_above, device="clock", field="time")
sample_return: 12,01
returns 2,28
